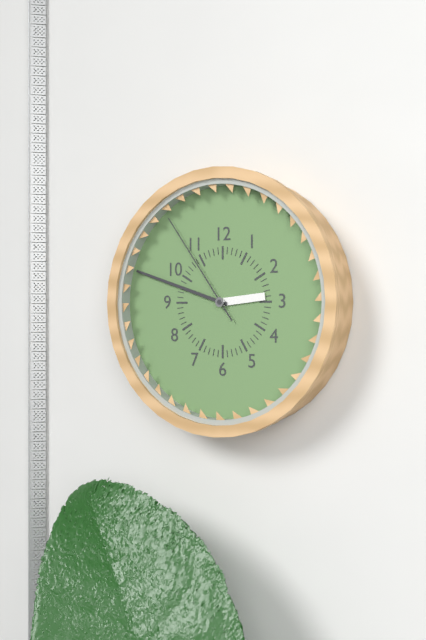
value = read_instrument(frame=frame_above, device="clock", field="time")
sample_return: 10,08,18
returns 2,48,54
